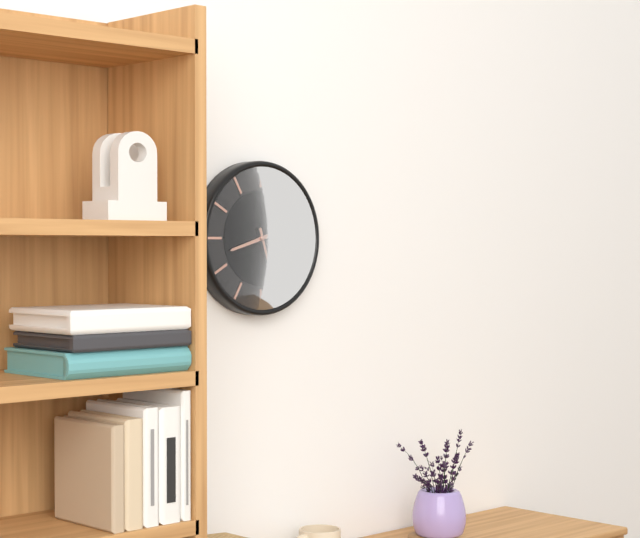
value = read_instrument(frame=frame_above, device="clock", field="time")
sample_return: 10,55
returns 8,27
